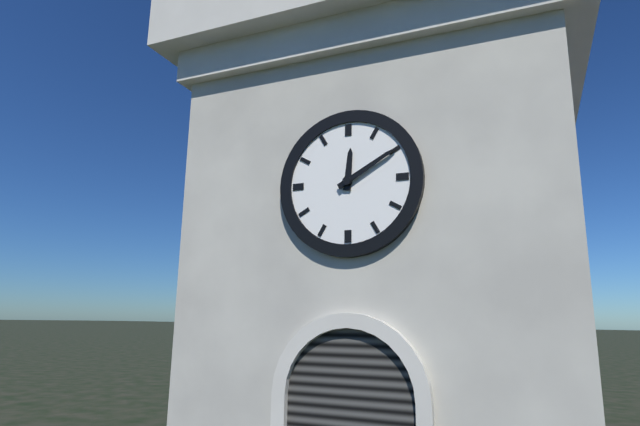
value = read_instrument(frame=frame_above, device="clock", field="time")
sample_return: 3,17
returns 12,10
